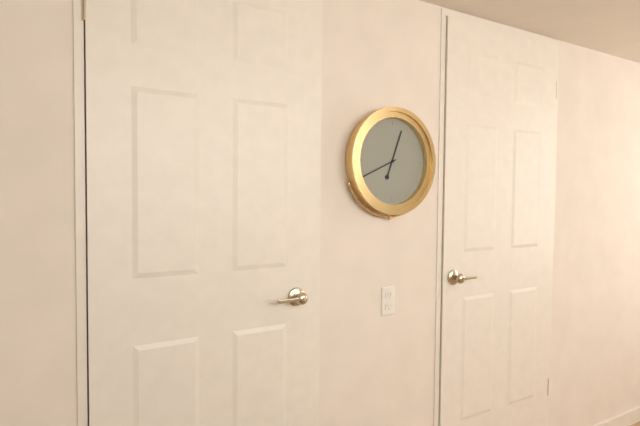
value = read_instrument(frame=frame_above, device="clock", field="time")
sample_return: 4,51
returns 12,41
